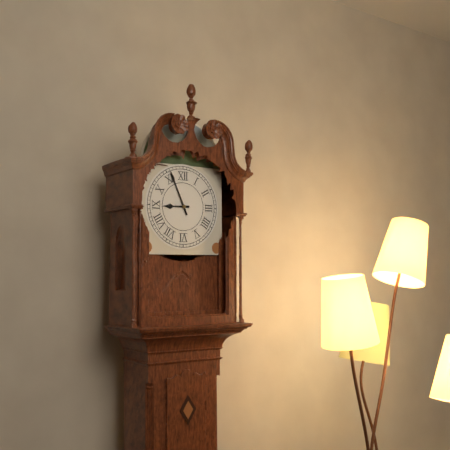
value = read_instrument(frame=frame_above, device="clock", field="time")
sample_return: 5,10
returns 8,56
